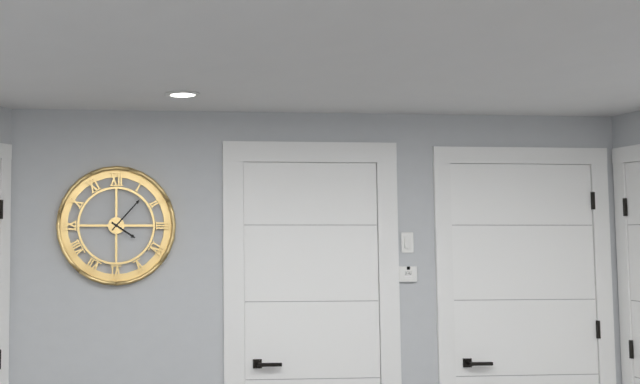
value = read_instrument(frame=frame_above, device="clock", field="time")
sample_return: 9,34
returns 4,07
